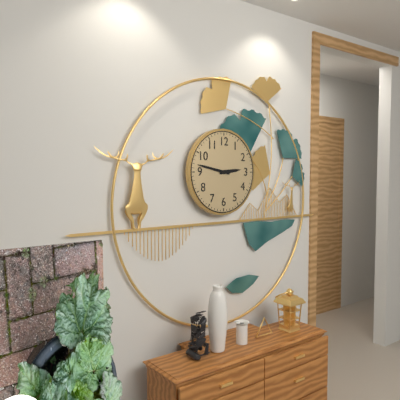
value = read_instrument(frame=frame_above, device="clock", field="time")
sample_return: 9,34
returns 2,47
